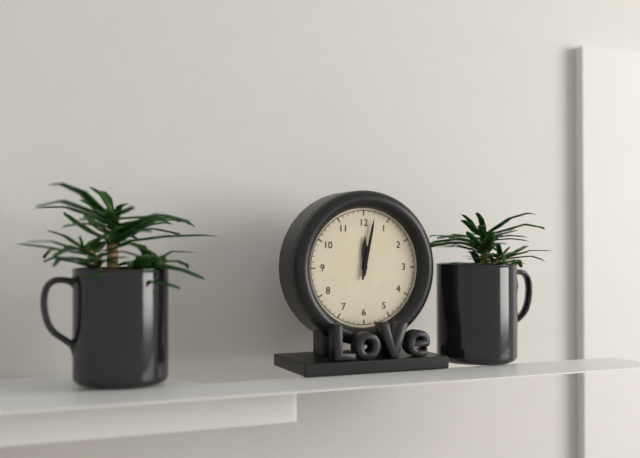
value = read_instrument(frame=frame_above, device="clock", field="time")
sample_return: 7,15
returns 12,02
